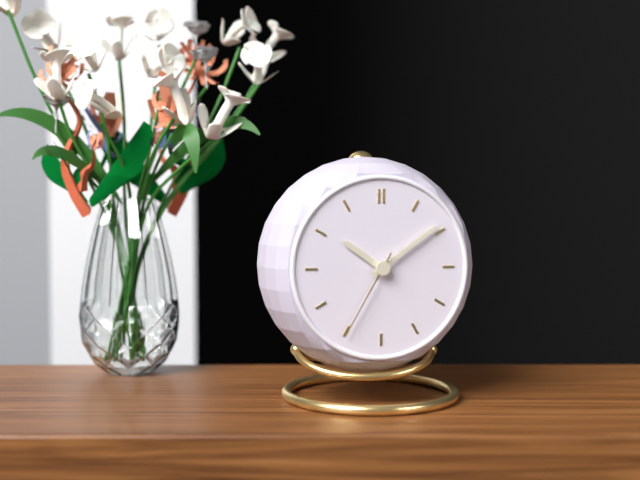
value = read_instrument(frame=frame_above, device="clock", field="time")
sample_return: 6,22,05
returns 10,09,35
